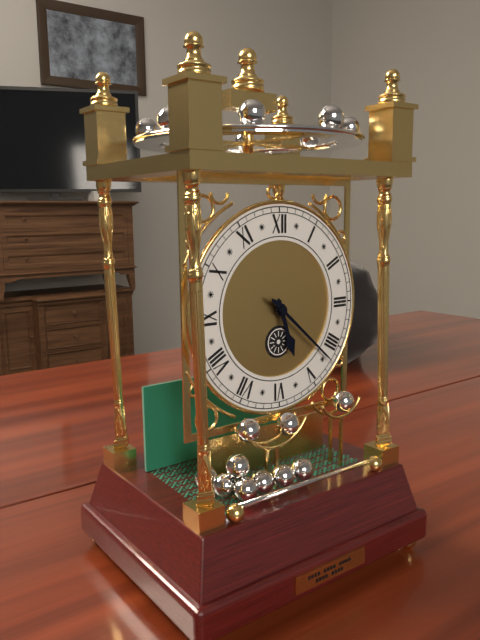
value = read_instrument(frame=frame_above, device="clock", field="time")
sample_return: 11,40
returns 5,22
